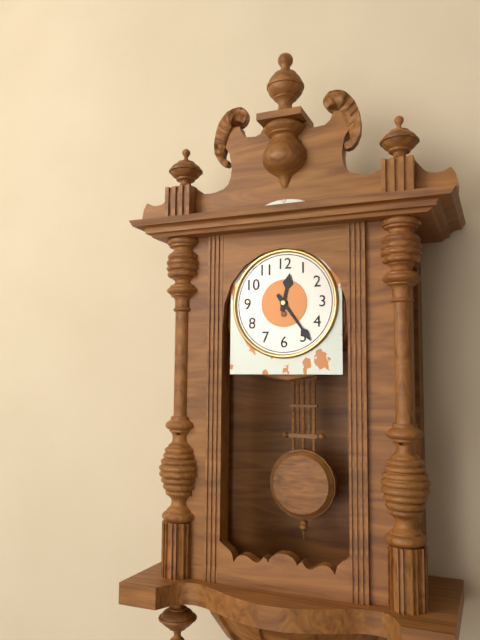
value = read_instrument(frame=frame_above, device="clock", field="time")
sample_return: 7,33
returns 12,24
